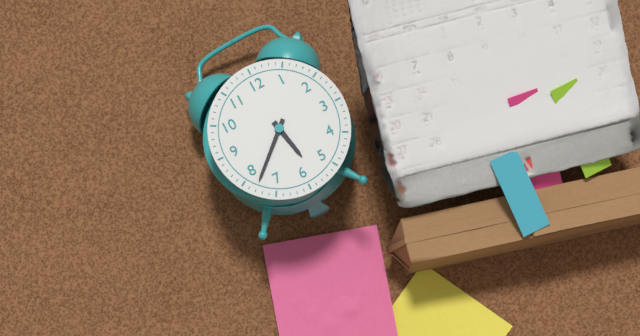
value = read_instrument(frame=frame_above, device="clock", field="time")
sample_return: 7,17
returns 5,38
